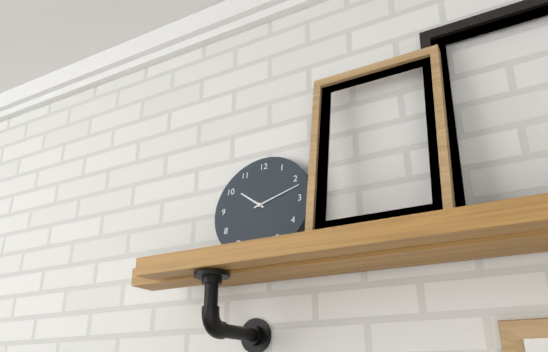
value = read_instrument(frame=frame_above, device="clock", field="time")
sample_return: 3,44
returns 10,12
